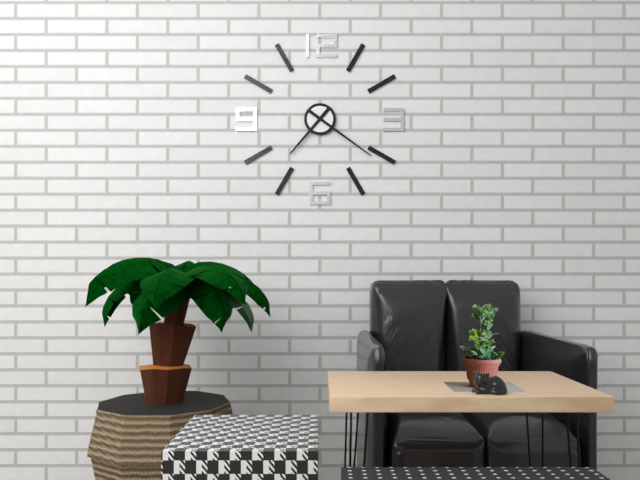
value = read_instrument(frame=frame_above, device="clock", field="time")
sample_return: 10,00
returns 7,21
